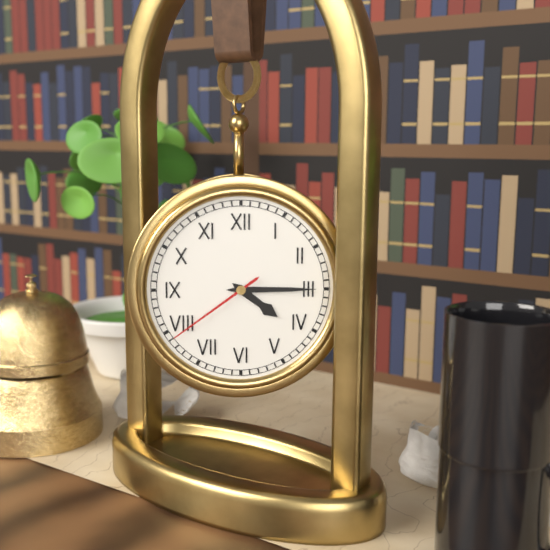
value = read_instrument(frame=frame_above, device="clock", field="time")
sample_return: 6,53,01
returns 4,15,39
